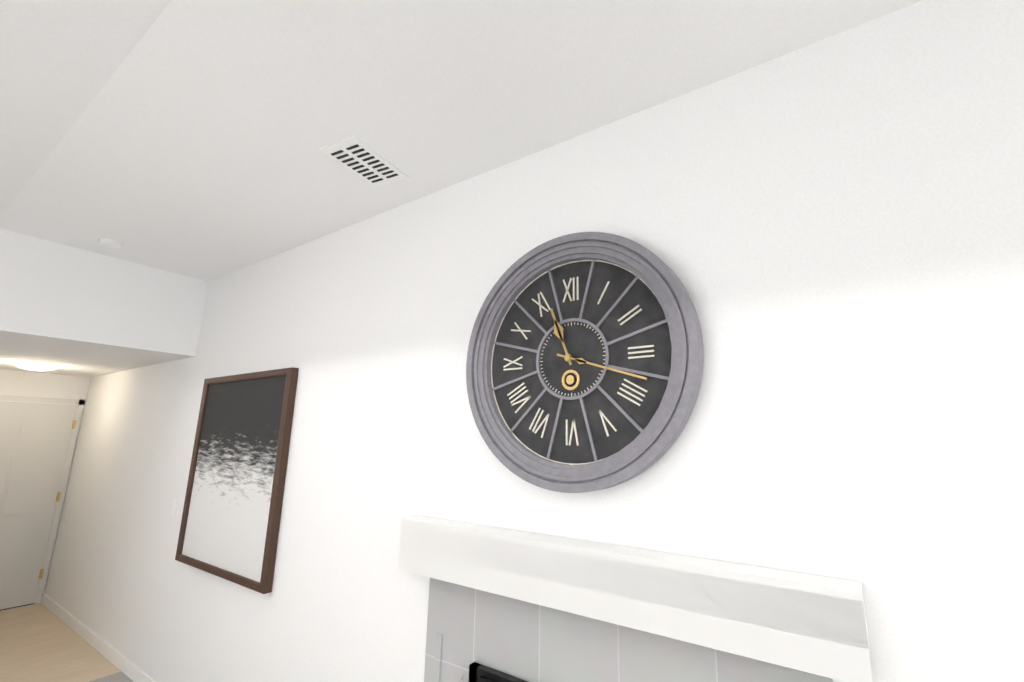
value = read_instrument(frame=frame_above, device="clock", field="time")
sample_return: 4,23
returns 11,18
